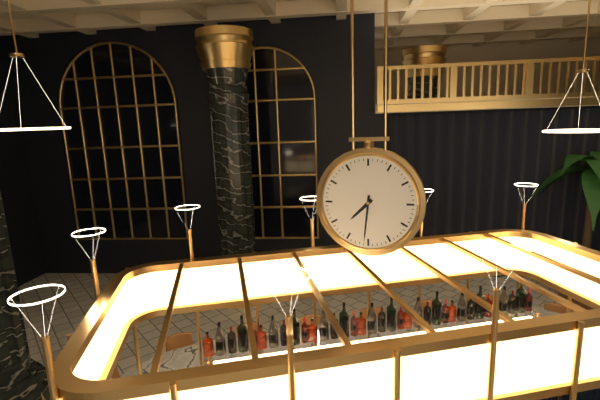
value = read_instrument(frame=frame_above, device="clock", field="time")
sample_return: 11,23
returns 7,31
